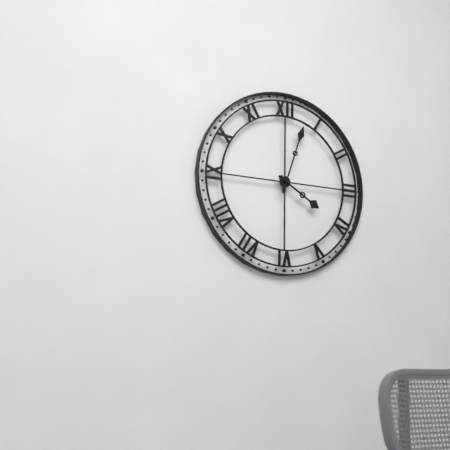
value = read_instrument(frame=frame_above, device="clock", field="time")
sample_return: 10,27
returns 4,03
